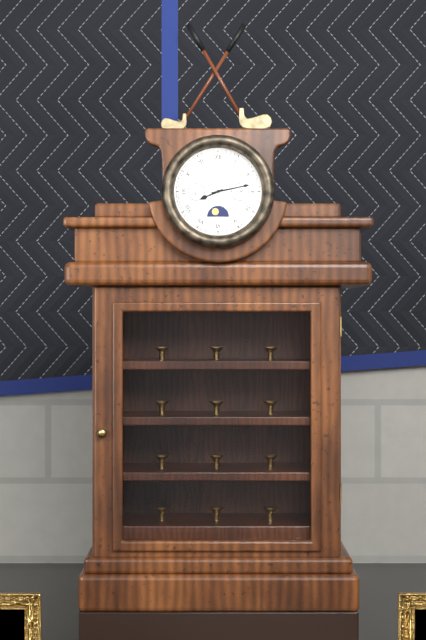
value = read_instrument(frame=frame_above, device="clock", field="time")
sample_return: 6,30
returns 8,13
